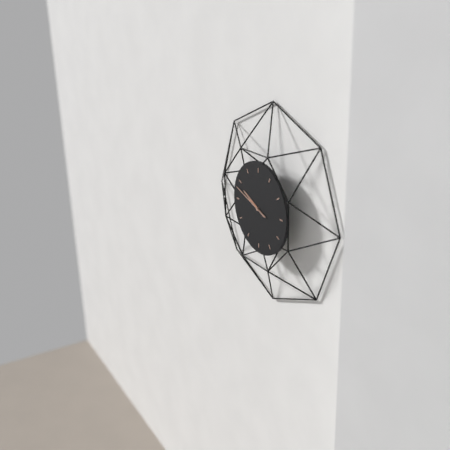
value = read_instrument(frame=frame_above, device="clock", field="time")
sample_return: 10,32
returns 9,48
